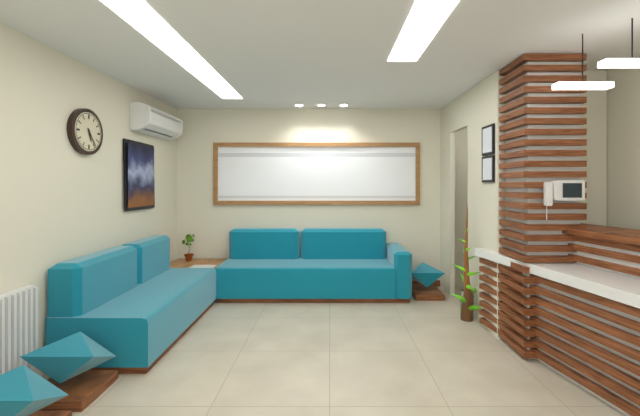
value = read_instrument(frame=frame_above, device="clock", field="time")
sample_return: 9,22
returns 5,24
